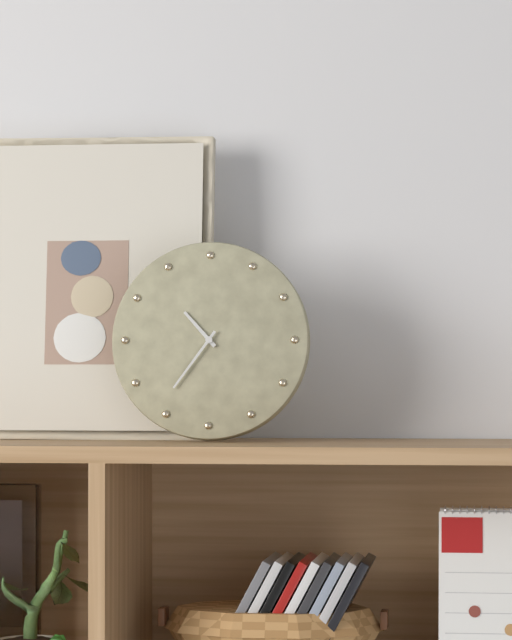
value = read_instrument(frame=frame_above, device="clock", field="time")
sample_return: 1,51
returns 10,36
